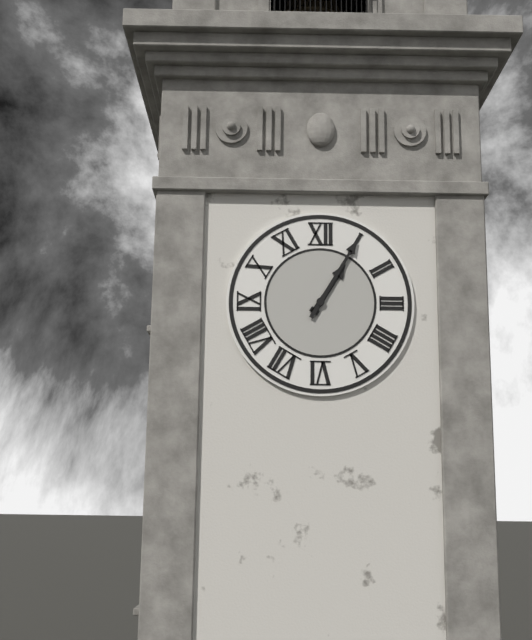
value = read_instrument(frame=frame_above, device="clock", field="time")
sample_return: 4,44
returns 1,05
